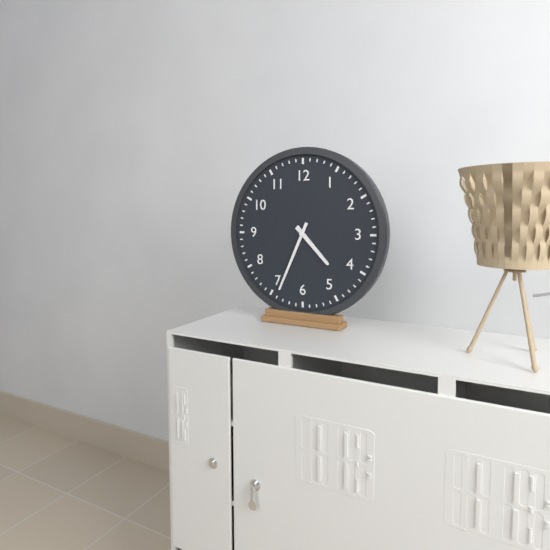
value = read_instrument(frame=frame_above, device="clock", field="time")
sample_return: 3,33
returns 4,34
